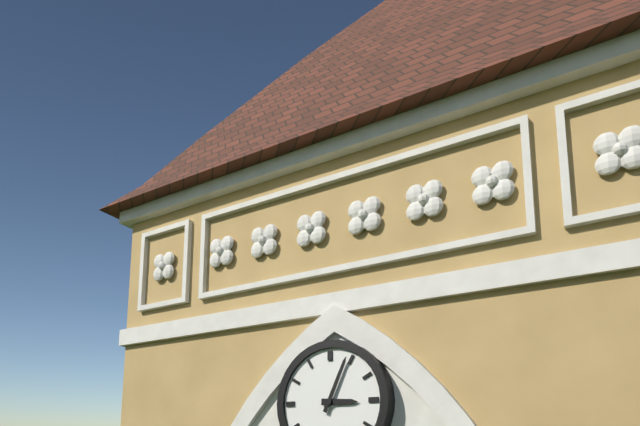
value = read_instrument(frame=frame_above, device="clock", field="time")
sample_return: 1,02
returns 3,04
